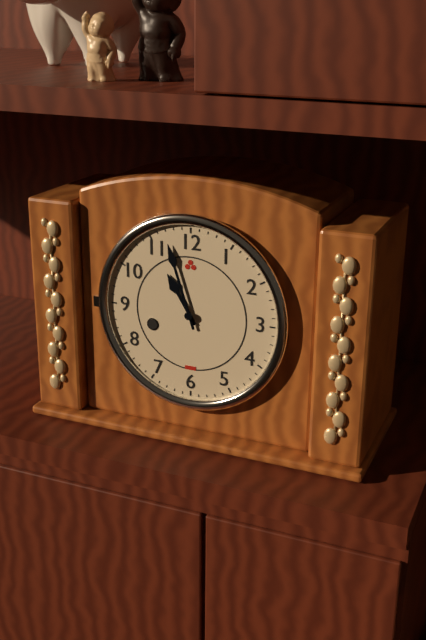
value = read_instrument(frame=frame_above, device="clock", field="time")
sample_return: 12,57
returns 10,57
